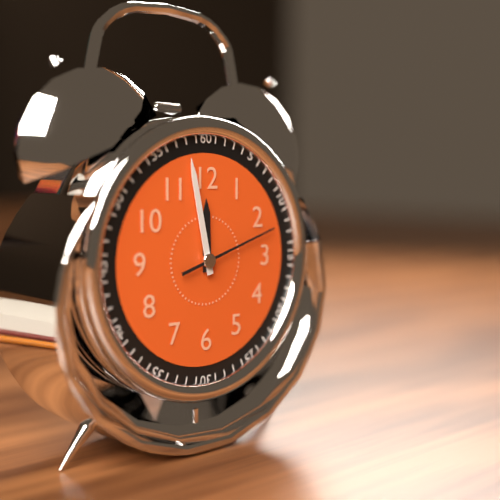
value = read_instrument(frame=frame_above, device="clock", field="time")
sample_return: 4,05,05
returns 11,58,12
